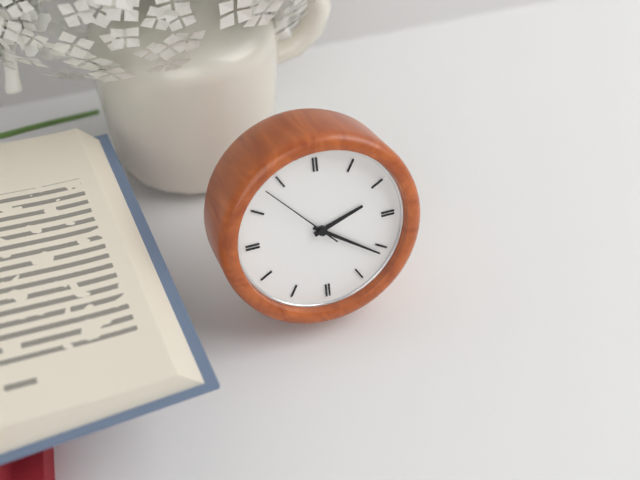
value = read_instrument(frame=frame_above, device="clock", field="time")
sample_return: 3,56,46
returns 2,21,53
